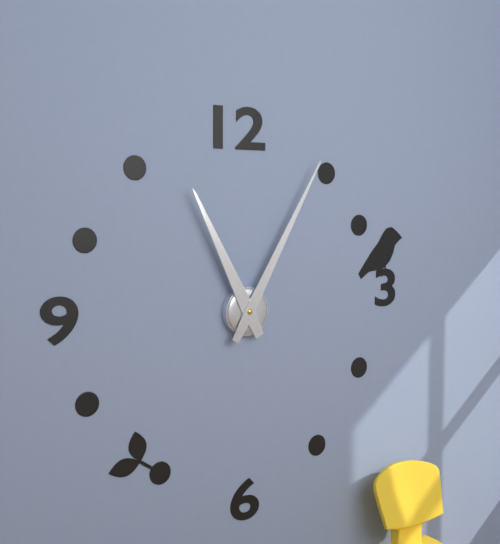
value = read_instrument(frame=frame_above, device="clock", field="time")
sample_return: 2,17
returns 11,05
